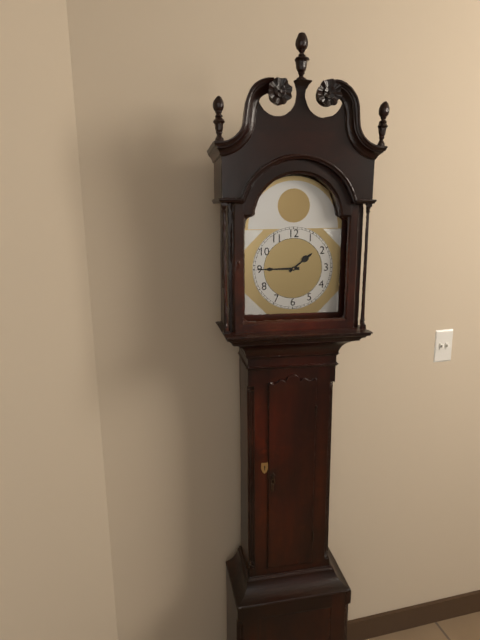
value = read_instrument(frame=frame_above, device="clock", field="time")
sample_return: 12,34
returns 1,45
